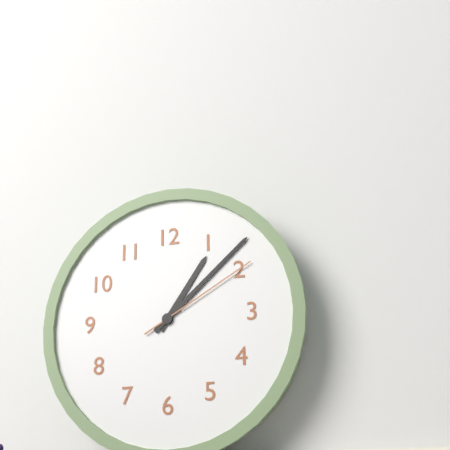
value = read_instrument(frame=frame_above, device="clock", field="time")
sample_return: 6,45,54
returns 1,08,10
